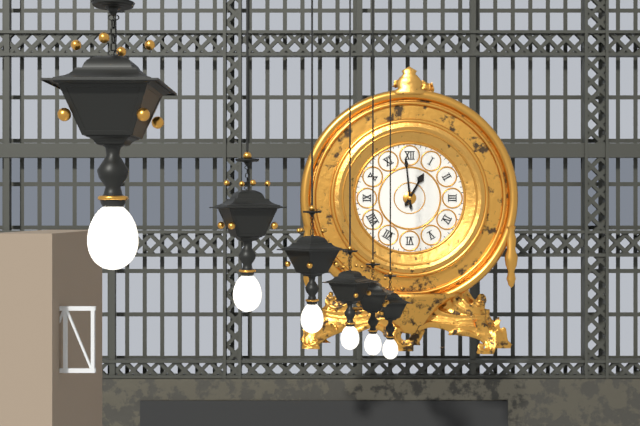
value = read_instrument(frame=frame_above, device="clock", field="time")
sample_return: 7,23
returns 12,59
